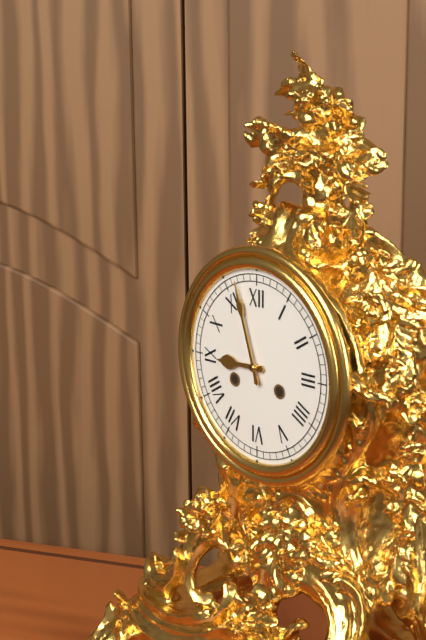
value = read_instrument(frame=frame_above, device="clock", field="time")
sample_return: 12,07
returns 8,57
